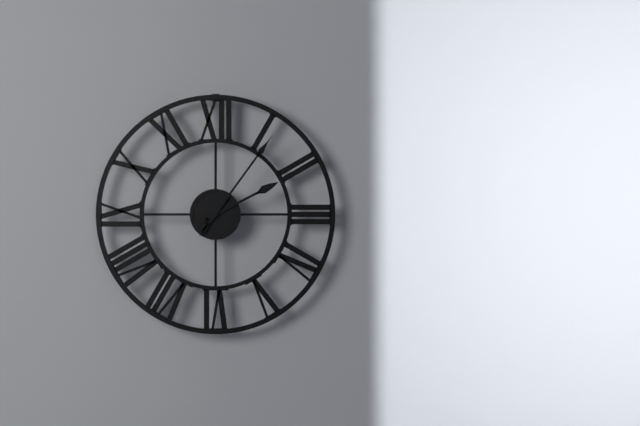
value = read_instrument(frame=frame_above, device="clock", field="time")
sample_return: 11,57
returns 2,06
